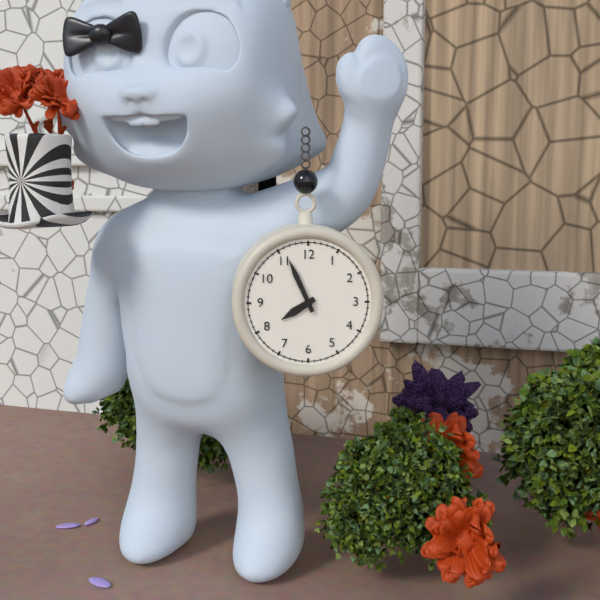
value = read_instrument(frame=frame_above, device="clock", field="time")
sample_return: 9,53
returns 7,56
